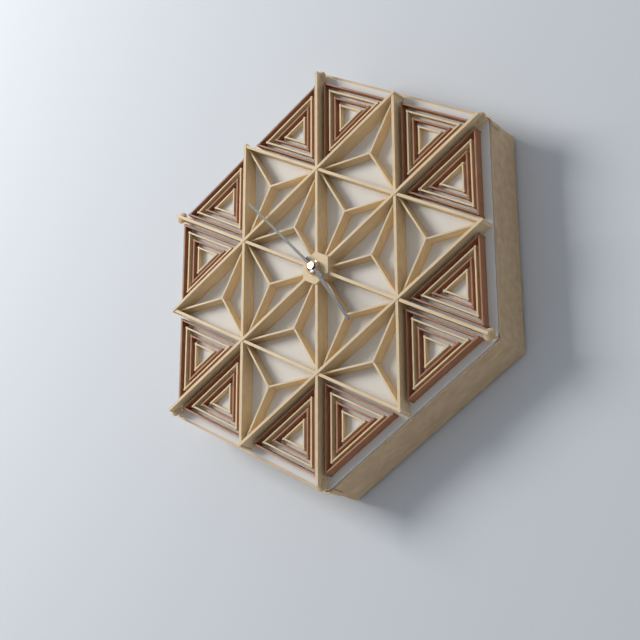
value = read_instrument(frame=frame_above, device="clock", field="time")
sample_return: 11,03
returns 4,53
